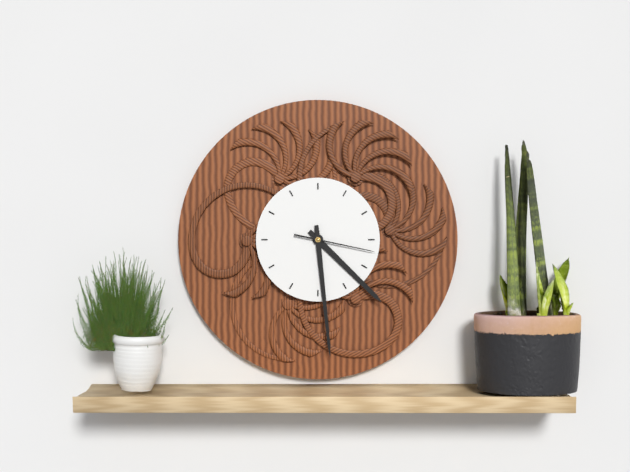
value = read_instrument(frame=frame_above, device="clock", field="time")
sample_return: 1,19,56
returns 4,29,17
